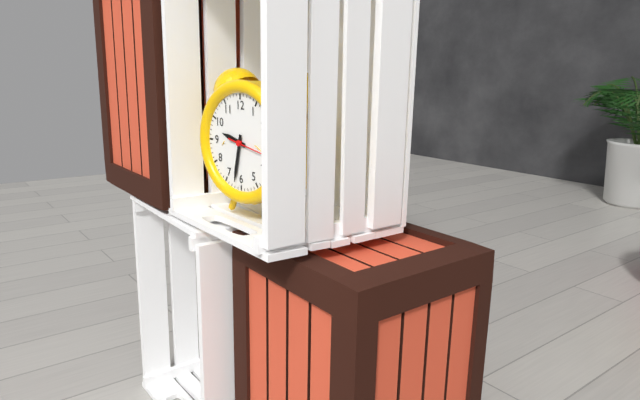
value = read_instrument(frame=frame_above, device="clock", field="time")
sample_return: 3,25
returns 9,32
